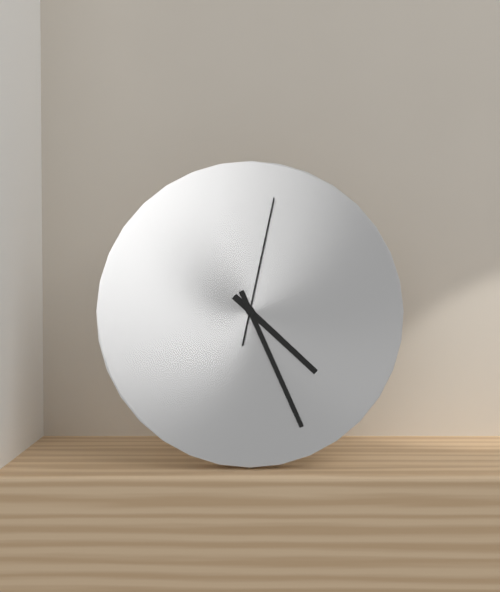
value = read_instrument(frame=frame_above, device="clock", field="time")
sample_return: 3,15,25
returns 4,26,02
